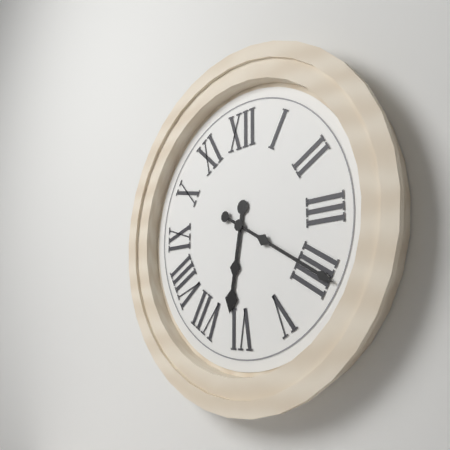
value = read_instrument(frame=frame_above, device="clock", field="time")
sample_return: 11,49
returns 6,20
